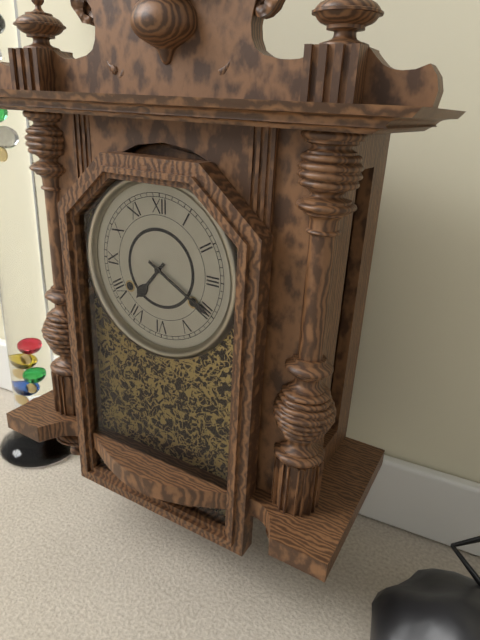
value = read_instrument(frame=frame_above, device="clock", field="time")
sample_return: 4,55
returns 7,20
